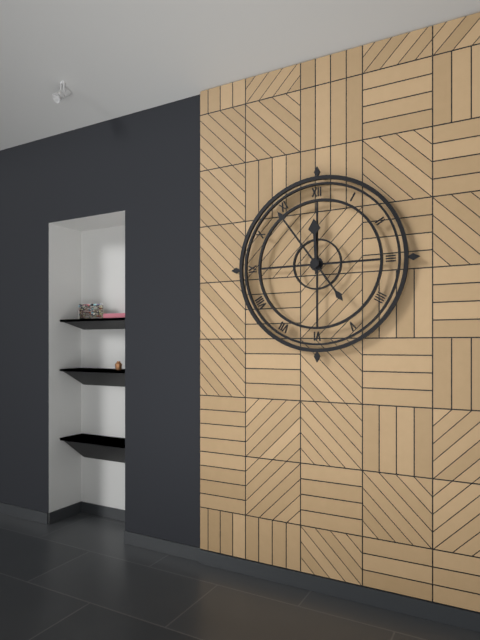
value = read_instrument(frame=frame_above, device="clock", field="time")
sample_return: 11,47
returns 11,54
